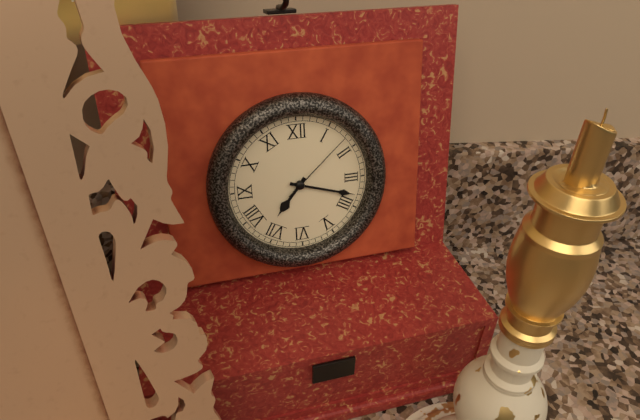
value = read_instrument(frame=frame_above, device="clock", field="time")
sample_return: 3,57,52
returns 7,18,08
